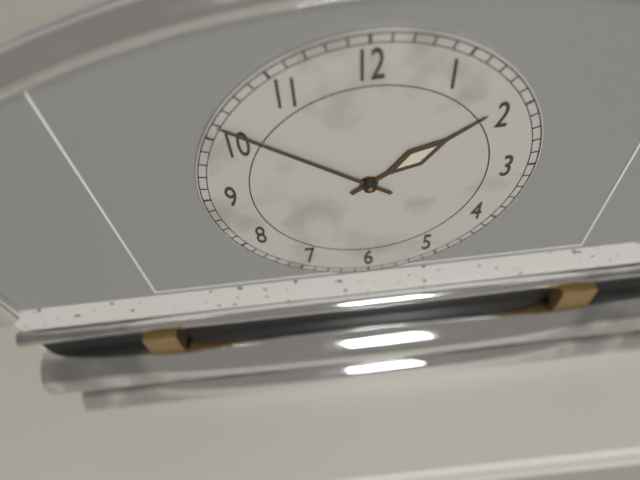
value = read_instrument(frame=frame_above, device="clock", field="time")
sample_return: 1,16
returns 1,51
